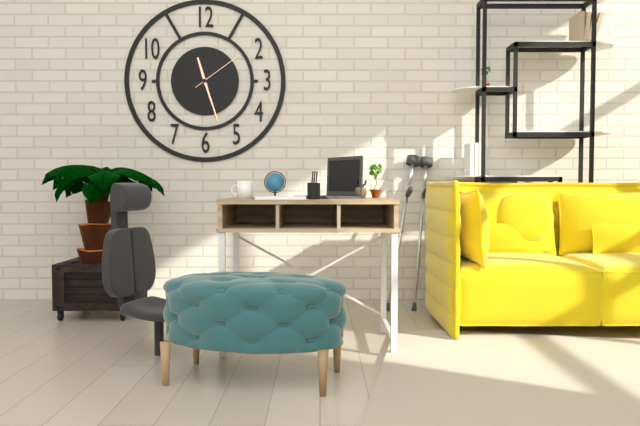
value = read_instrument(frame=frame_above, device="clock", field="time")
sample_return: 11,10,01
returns 11,27,09
